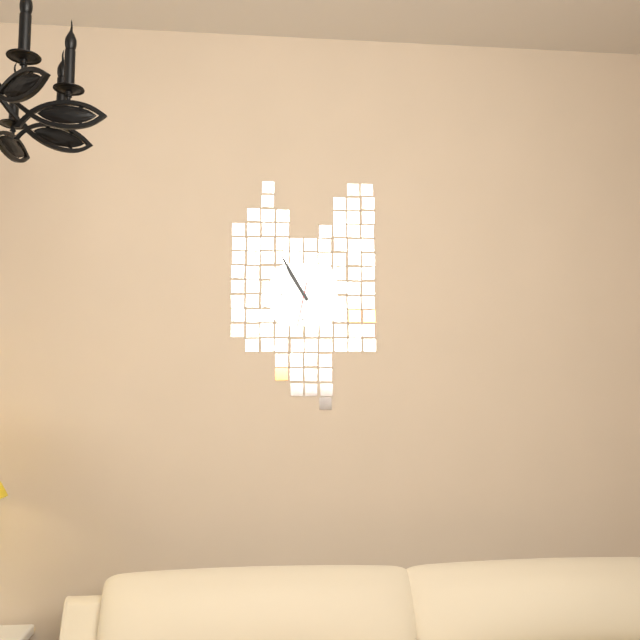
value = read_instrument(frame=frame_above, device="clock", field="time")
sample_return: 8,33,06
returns 10,55,32
